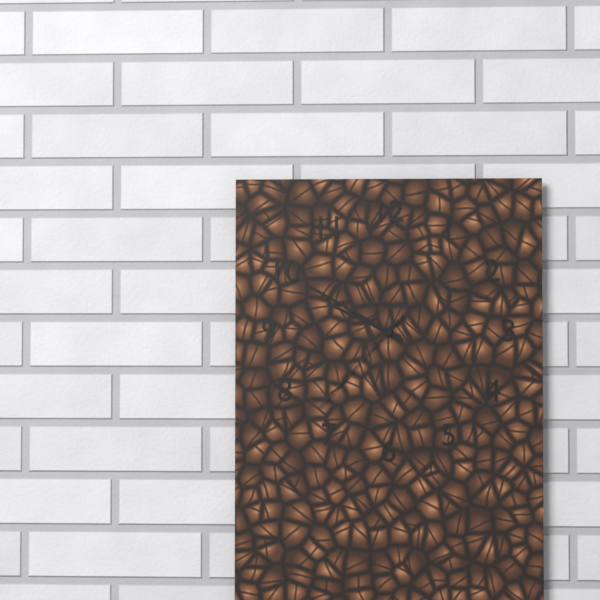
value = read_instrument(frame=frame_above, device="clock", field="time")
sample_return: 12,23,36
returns 9,50,37
